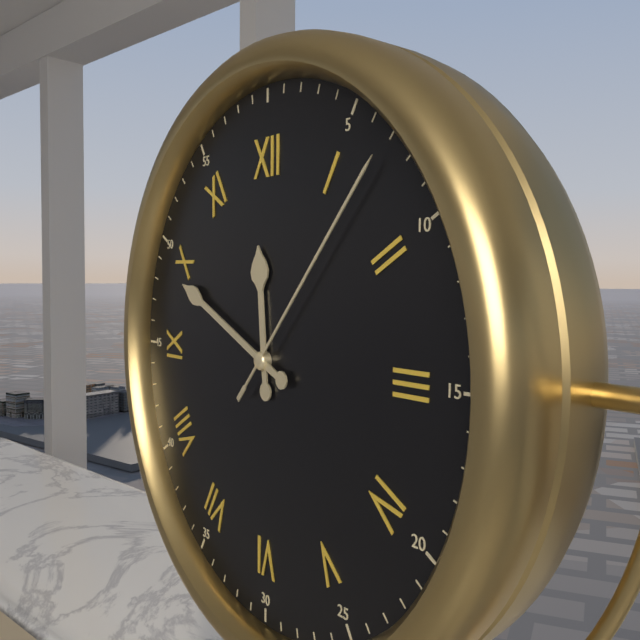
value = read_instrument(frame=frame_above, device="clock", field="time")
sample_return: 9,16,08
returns 11,49,07
